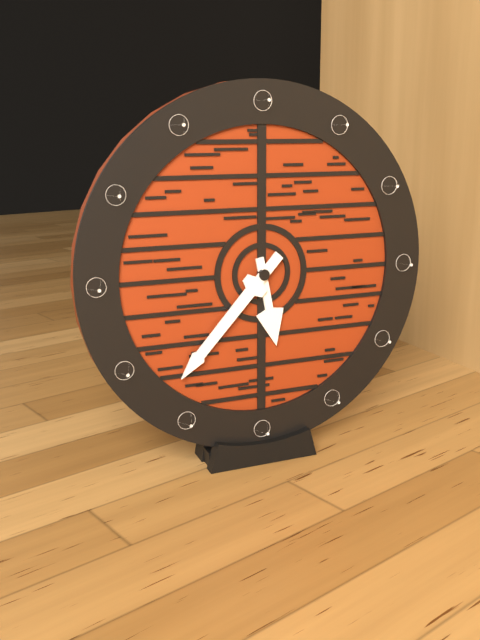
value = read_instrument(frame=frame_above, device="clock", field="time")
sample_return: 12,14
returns 5,37
